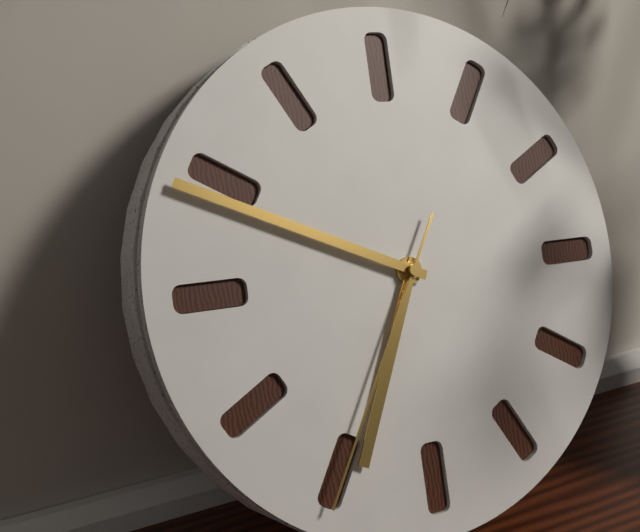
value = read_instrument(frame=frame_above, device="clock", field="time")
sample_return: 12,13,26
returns 6,49,35
